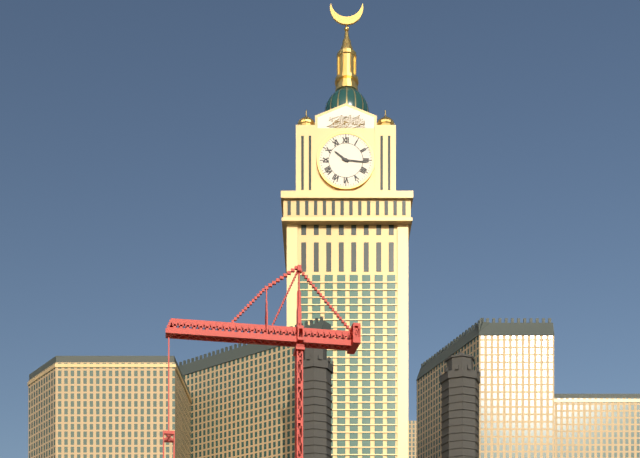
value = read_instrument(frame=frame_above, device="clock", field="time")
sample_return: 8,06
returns 10,16
